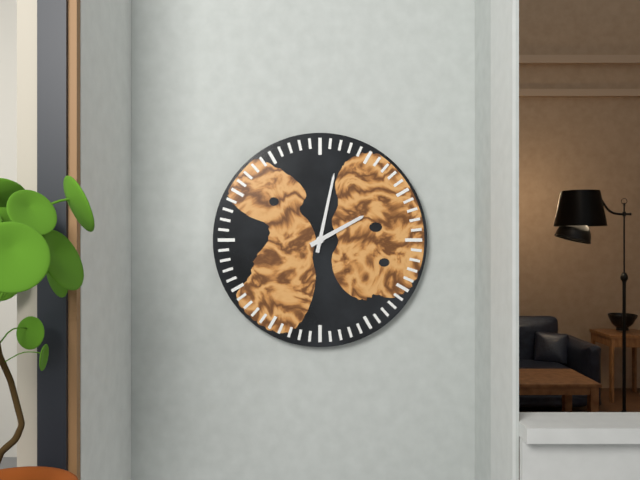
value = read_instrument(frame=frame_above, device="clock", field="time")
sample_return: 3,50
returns 2,02
